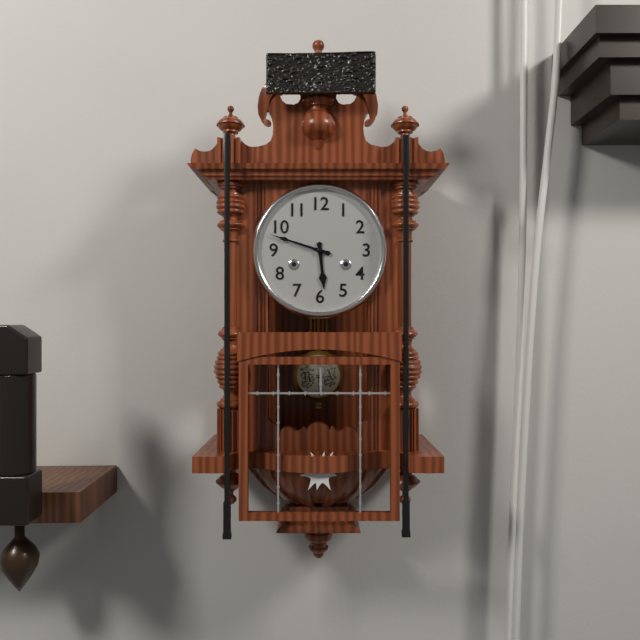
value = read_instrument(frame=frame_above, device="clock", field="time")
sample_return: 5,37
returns 5,48
